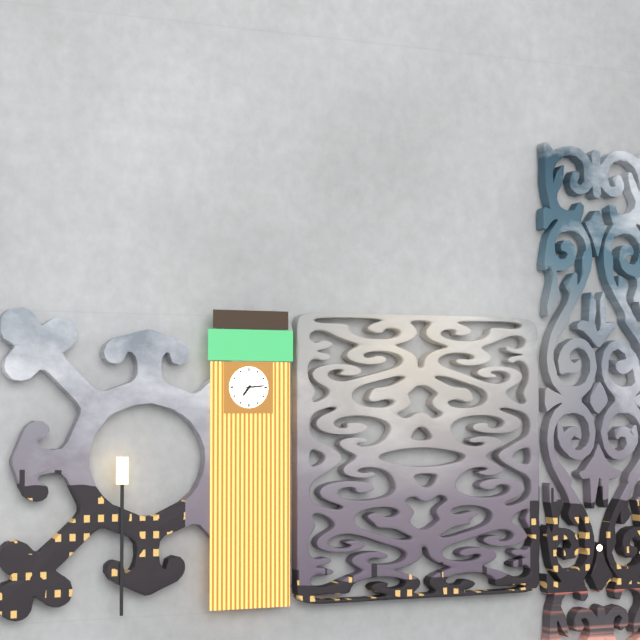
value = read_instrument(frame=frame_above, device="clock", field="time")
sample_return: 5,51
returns 7,14
